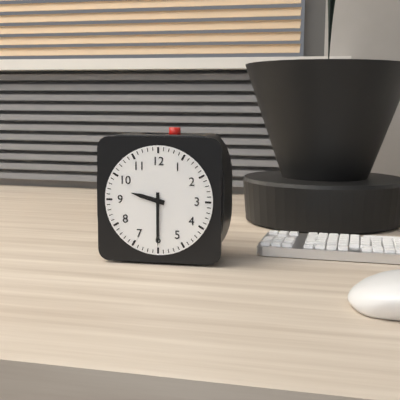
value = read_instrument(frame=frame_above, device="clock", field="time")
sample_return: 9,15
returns 9,30
